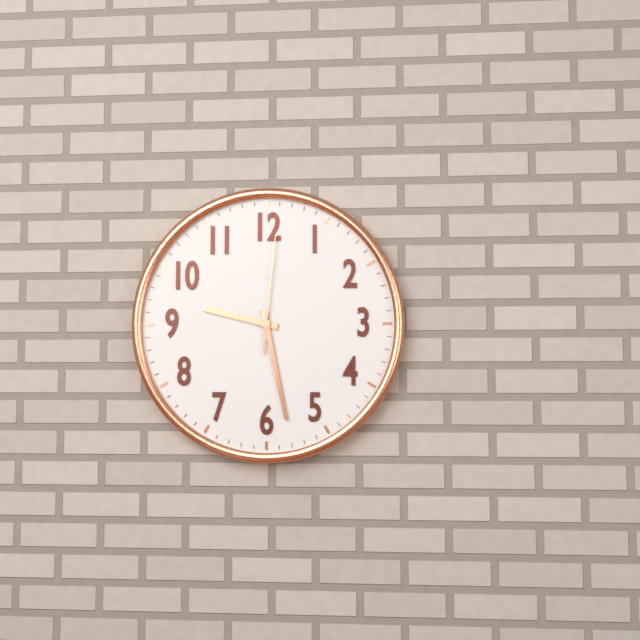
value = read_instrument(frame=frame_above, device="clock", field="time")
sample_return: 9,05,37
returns 9,28,01
